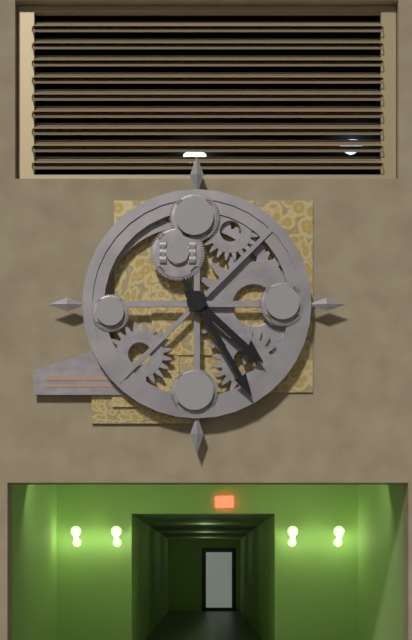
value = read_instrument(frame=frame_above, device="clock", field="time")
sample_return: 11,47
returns 4,25
